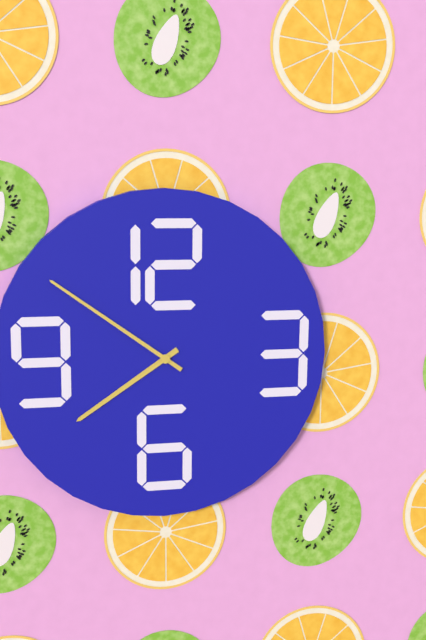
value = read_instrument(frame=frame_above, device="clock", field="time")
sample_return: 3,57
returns 7,51
